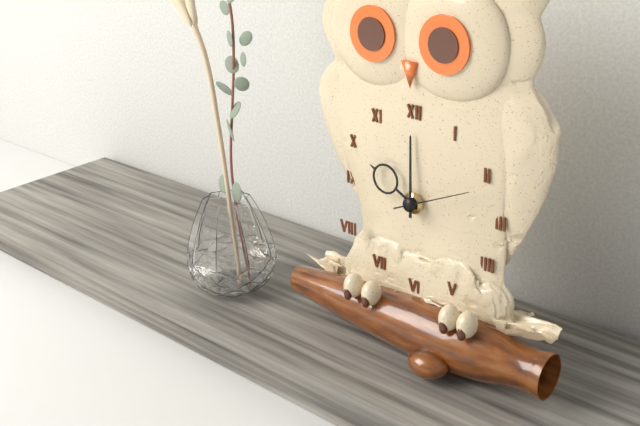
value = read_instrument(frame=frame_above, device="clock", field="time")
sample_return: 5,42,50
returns 10,00,11
